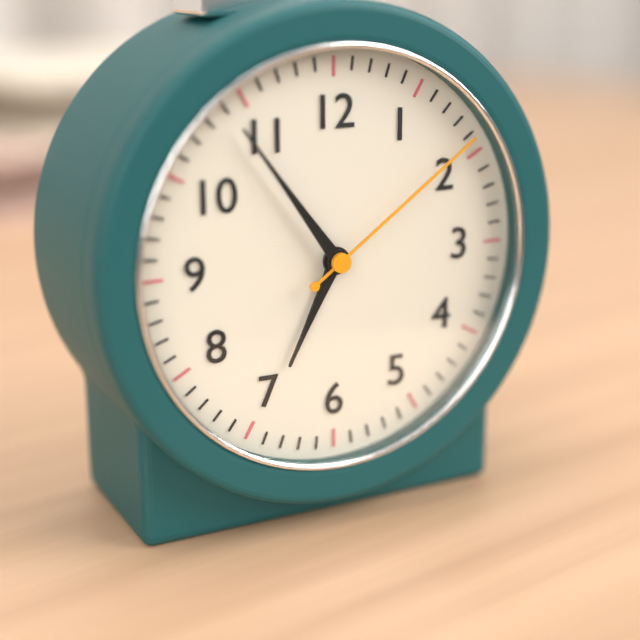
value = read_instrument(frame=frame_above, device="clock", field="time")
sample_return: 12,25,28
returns 6,54,09
